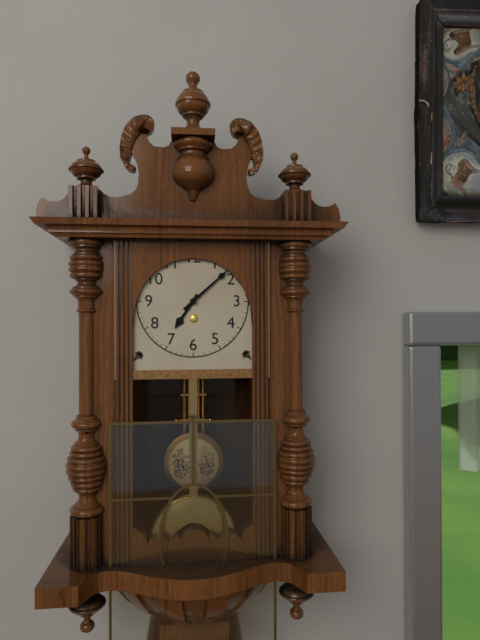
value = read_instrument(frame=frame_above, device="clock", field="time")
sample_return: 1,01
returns 7,08
